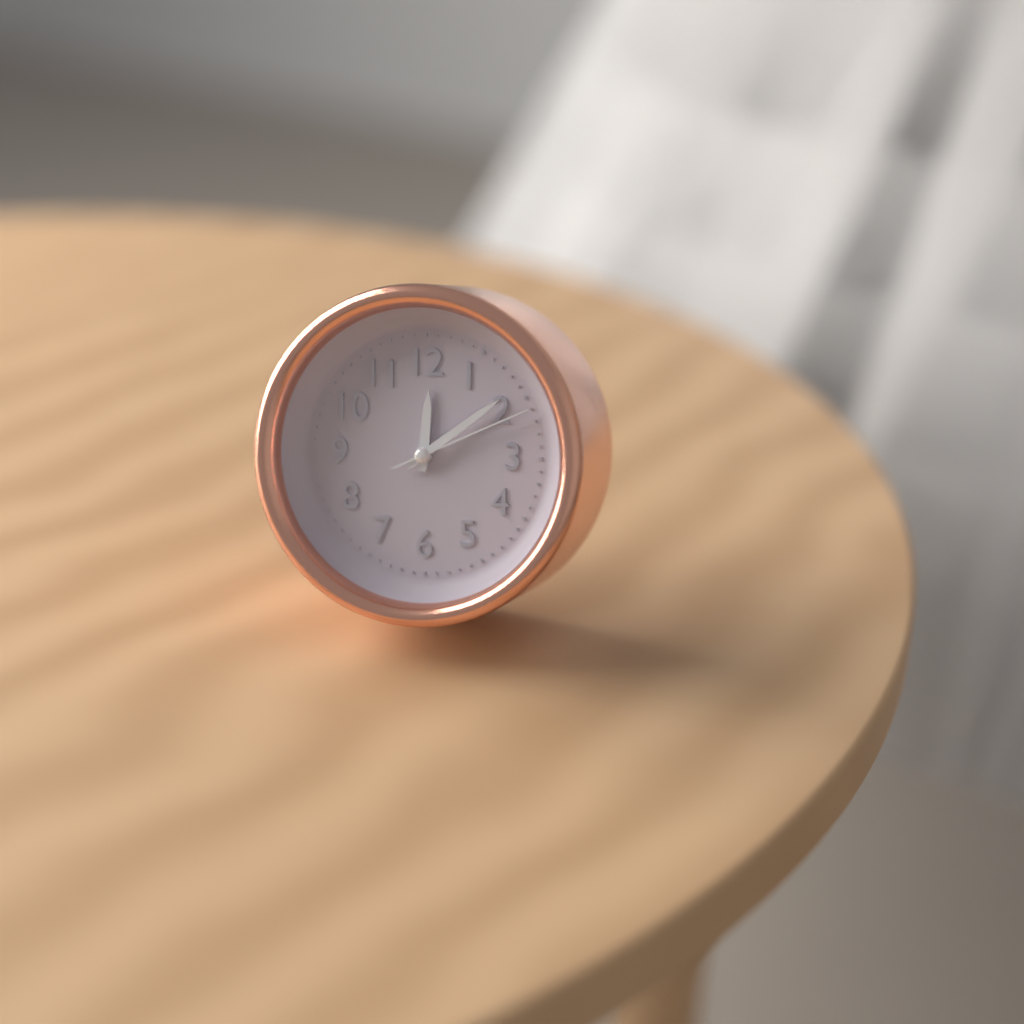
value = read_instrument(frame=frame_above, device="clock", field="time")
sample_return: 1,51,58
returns 12,09,11
